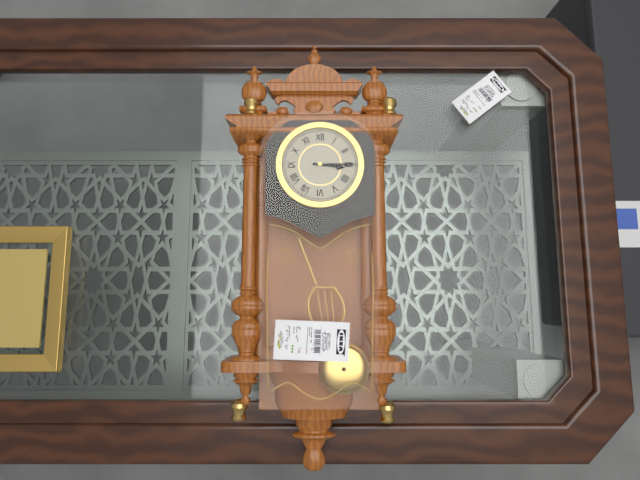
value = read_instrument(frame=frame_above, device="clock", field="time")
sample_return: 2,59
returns 3,15
